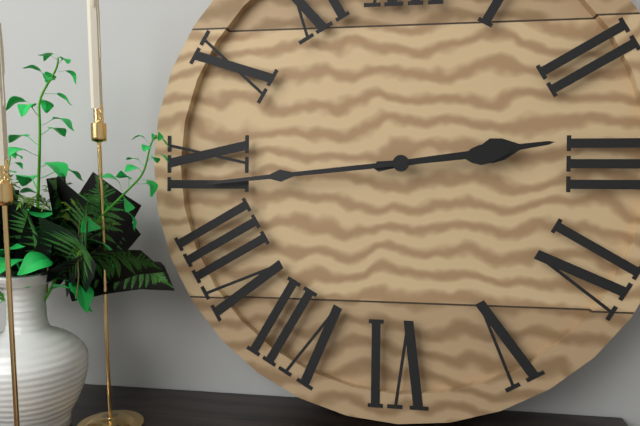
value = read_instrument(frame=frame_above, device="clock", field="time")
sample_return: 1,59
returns 2,44
